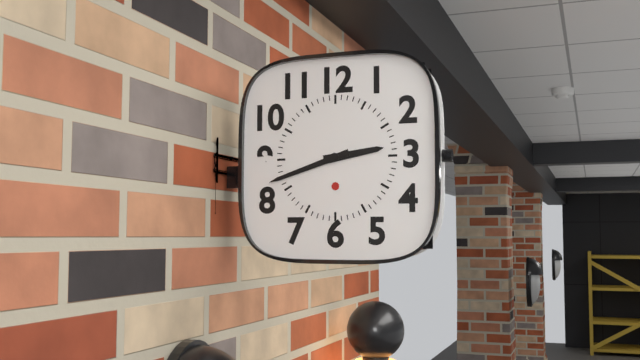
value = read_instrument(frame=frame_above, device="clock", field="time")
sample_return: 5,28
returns 2,42
